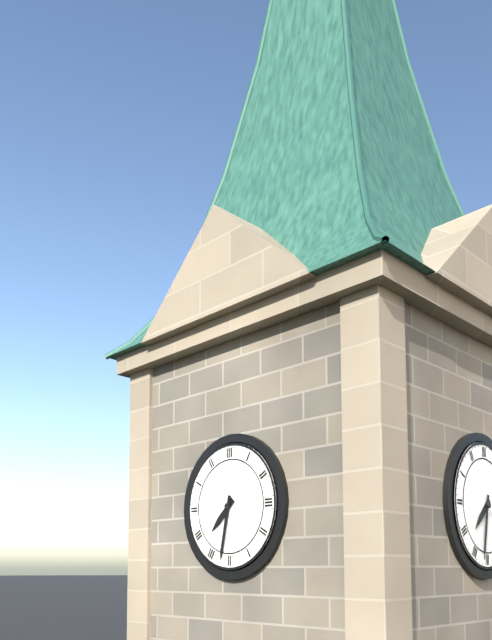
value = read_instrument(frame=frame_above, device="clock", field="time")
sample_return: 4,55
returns 7,32
